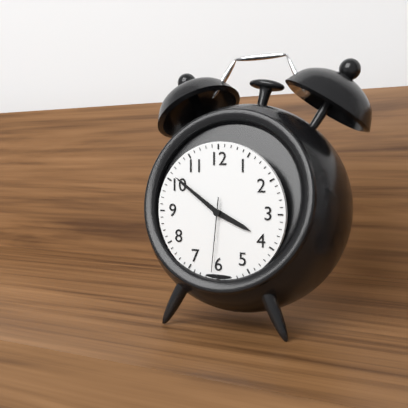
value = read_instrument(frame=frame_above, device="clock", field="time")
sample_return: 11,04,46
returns 3,51,31
